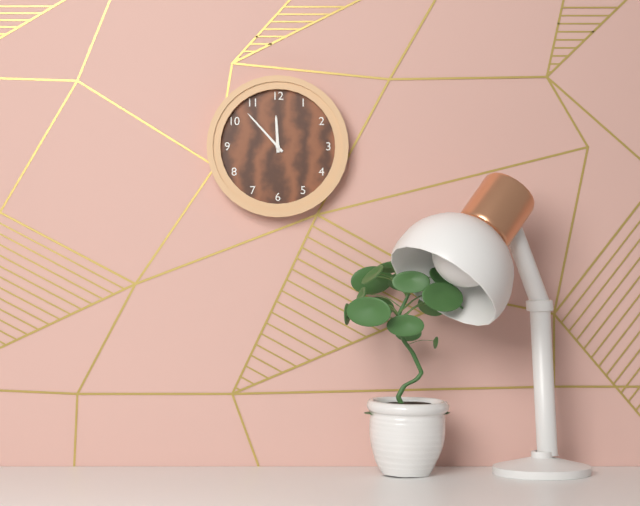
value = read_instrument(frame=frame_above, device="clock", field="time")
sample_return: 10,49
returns 11,53
